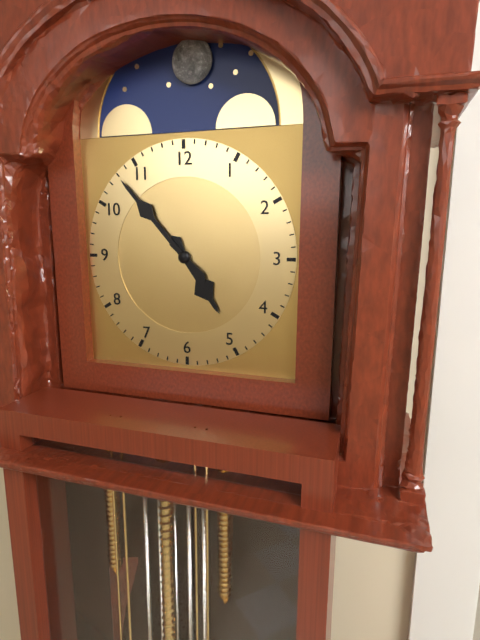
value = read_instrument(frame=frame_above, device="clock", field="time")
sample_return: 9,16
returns 4,53
